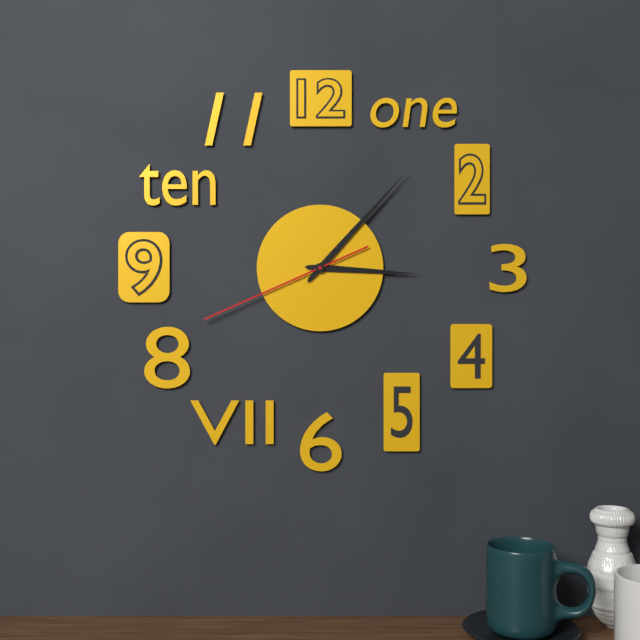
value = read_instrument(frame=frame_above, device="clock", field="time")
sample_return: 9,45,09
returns 3,07,41
